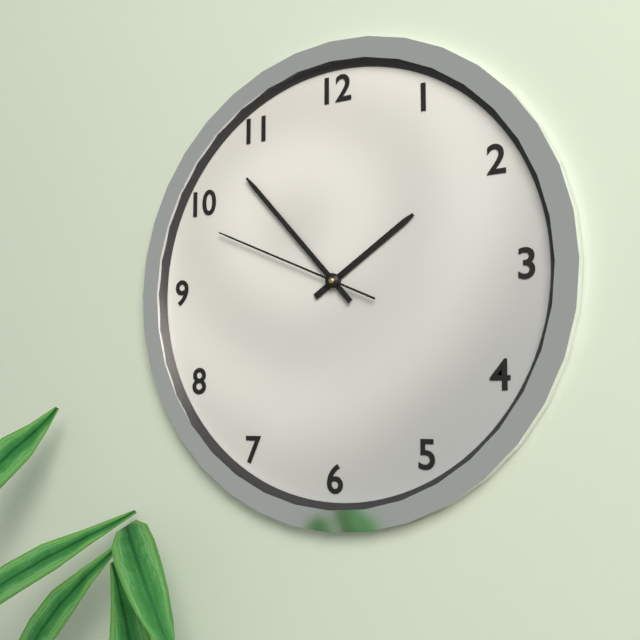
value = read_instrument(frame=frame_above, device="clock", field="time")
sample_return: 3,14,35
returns 1,53,49
